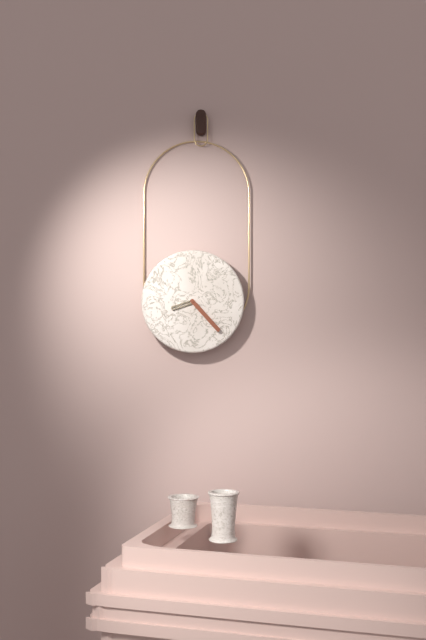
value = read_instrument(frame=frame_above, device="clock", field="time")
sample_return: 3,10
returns 8,23
